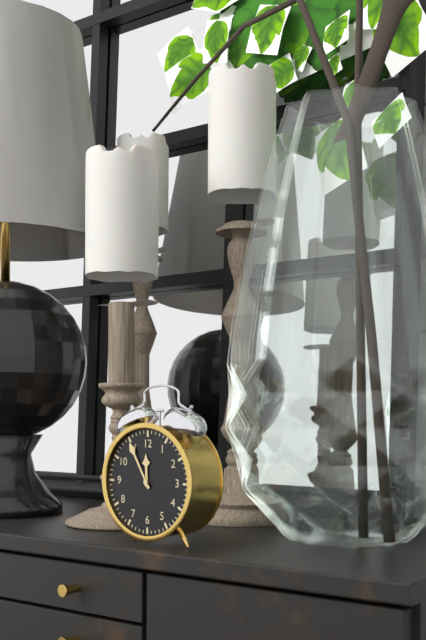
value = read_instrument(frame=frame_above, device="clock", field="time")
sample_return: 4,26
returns 11,55
